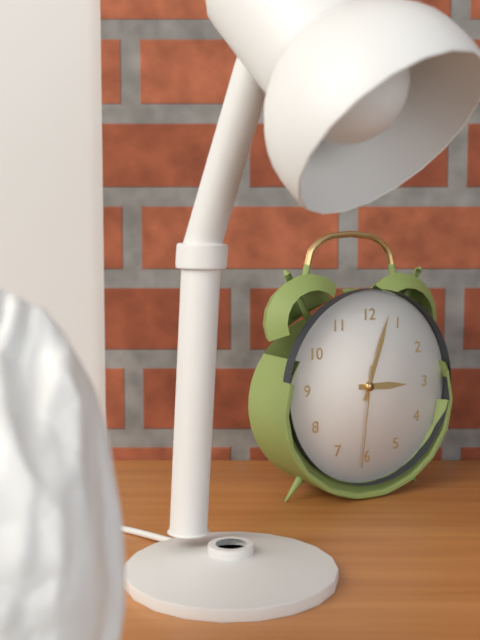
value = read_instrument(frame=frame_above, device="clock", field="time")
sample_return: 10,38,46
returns 3,03,31
